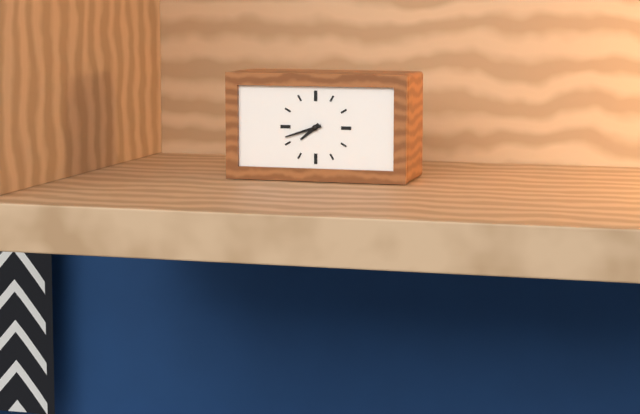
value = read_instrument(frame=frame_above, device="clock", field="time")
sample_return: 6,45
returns 7,42
